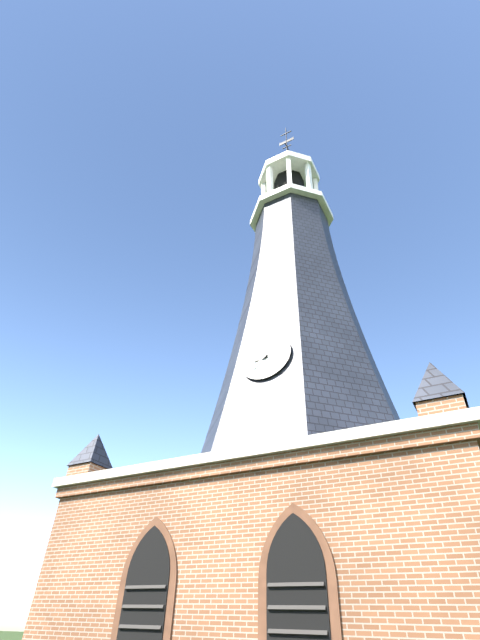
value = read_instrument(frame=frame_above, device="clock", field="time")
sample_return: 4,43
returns 8,38
